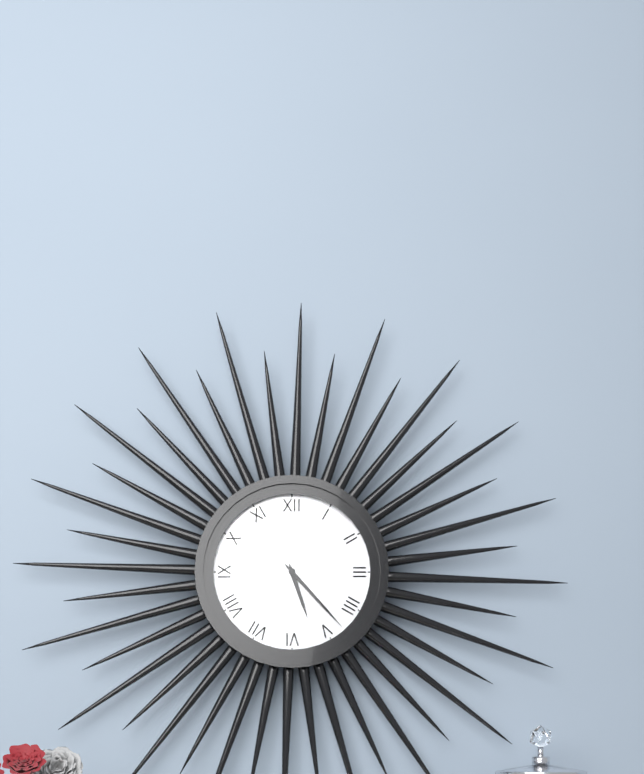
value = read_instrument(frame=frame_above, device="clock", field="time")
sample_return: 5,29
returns 5,23
